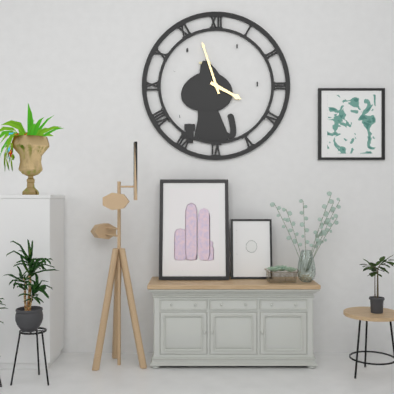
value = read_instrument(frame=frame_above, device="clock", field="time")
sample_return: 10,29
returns 3,57
